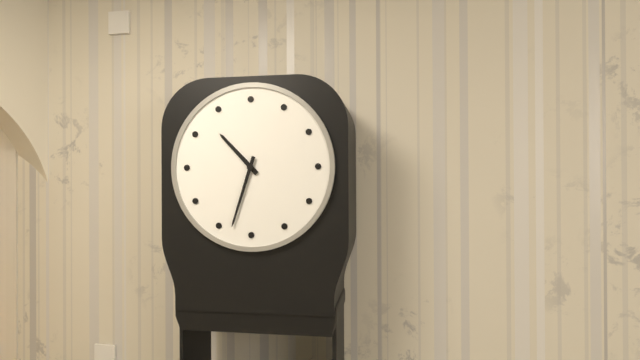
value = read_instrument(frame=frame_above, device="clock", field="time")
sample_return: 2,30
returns 10,33
